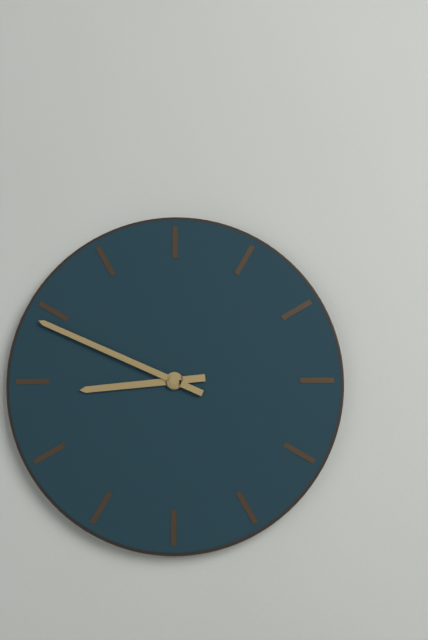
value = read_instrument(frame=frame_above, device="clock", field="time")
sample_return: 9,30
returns 8,49
